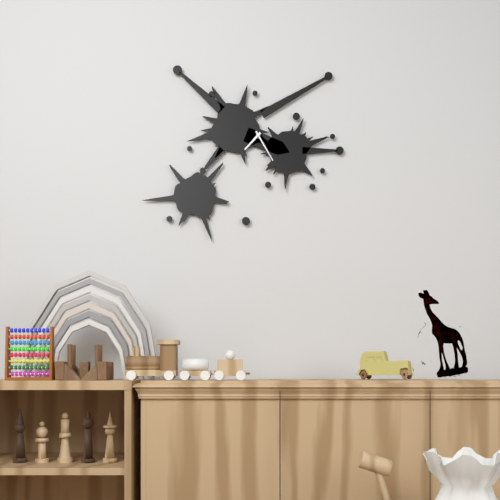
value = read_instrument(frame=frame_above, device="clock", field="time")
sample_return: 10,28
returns 7,25
